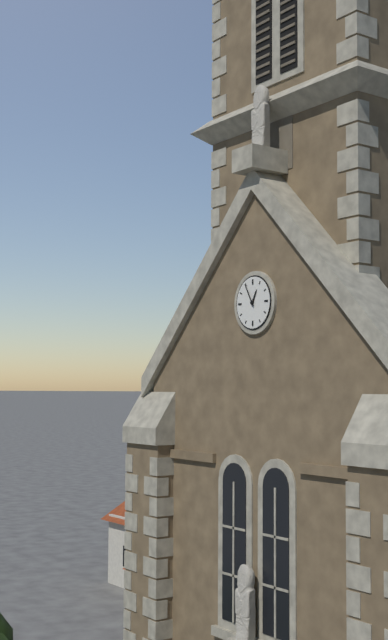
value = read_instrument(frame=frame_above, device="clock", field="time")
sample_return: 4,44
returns 12,55
